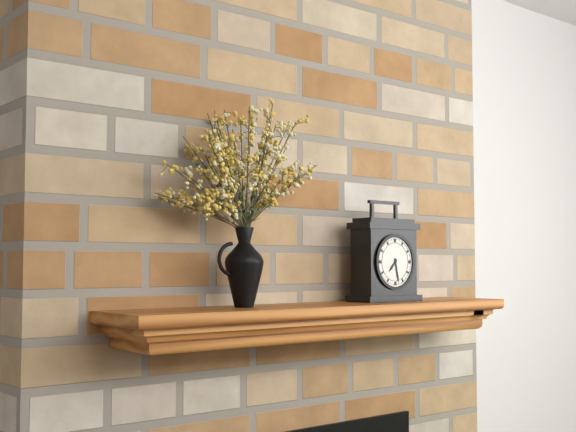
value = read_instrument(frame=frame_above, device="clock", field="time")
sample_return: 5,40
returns 7,28
